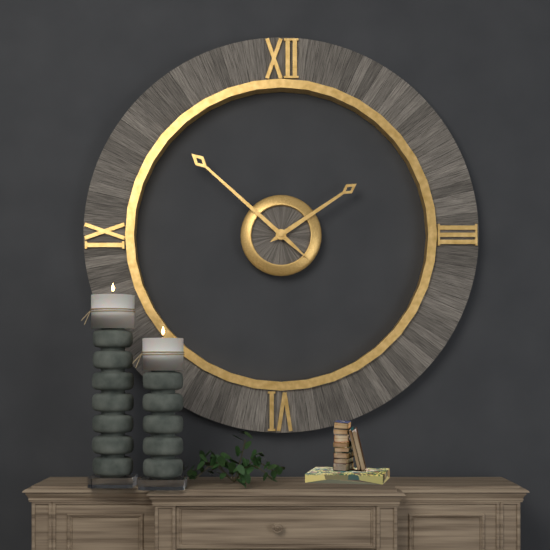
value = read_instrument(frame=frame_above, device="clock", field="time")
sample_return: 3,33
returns 1,52
